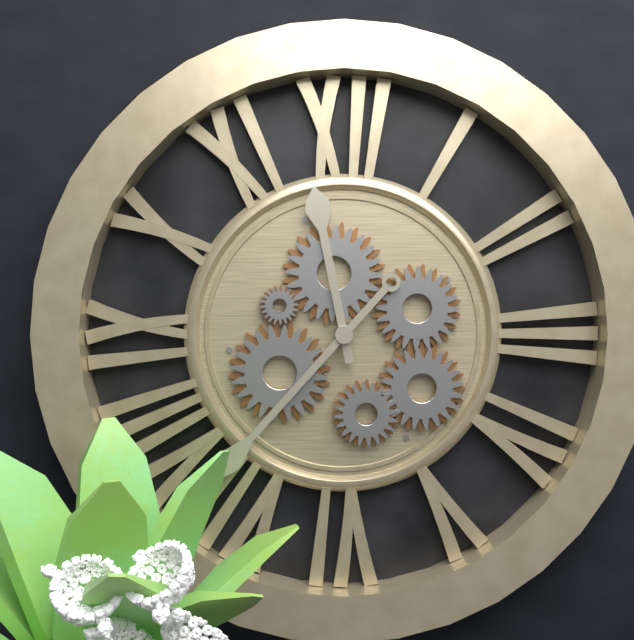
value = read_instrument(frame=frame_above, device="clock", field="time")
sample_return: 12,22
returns 11,37
